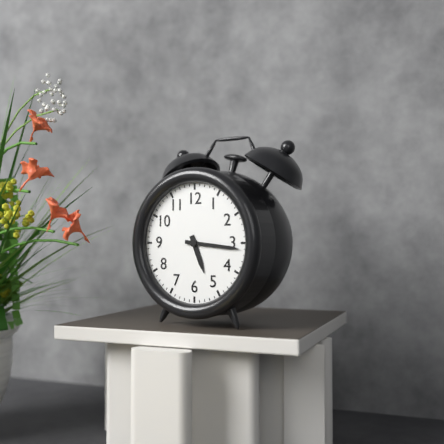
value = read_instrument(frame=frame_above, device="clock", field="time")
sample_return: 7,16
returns 5,16
